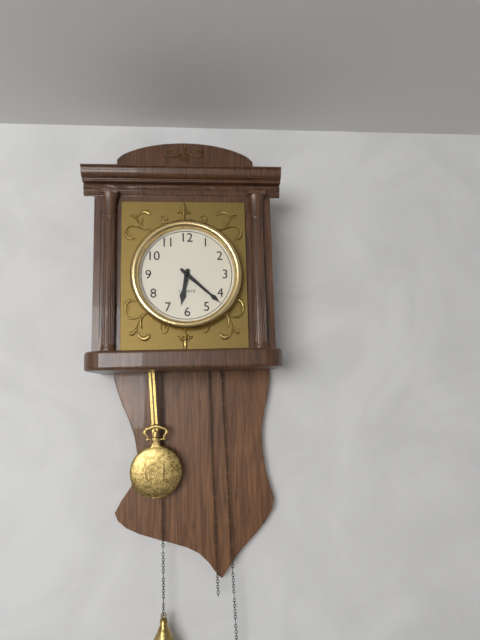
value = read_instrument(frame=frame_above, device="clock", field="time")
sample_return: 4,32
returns 6,22
